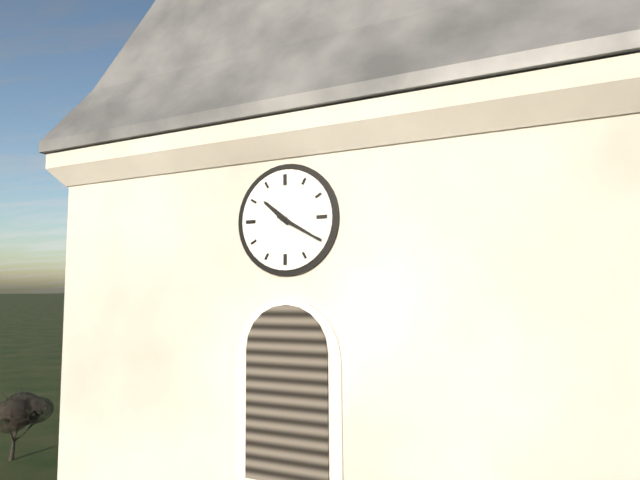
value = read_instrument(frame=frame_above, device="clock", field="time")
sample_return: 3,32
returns 10,20
